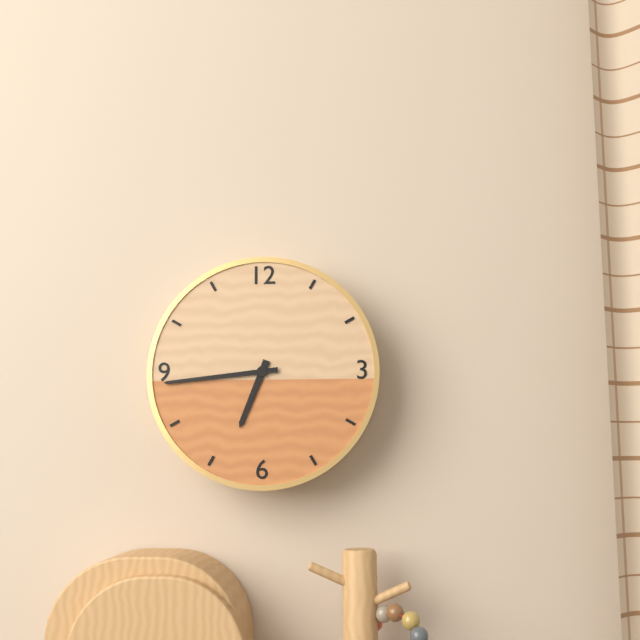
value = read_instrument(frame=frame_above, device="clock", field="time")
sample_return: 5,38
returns 6,44
